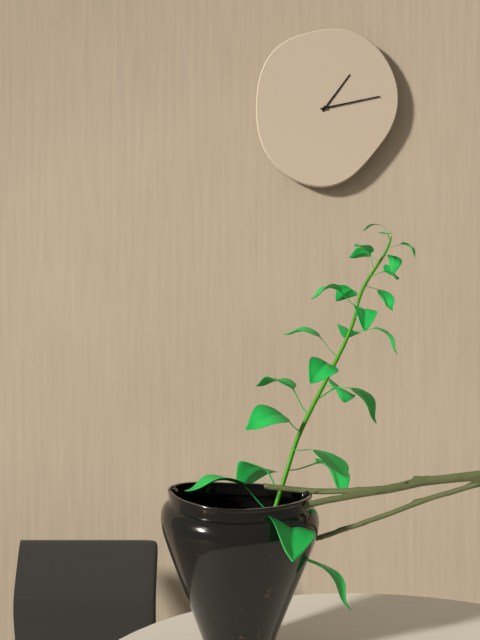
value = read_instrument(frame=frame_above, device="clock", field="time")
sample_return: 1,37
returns 1,13
